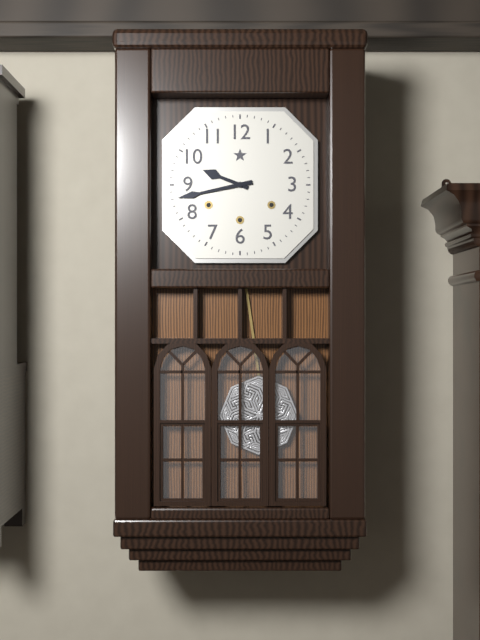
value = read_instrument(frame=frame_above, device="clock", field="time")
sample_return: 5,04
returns 9,43
